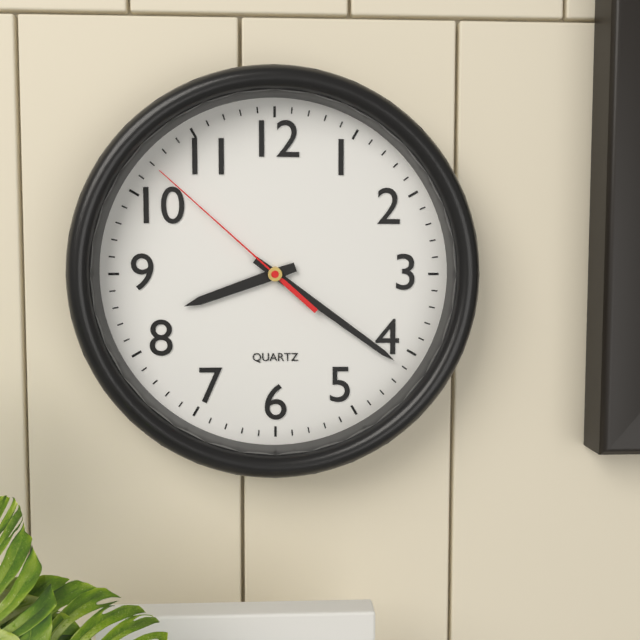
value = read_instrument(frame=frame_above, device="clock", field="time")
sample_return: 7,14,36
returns 8,21,52
